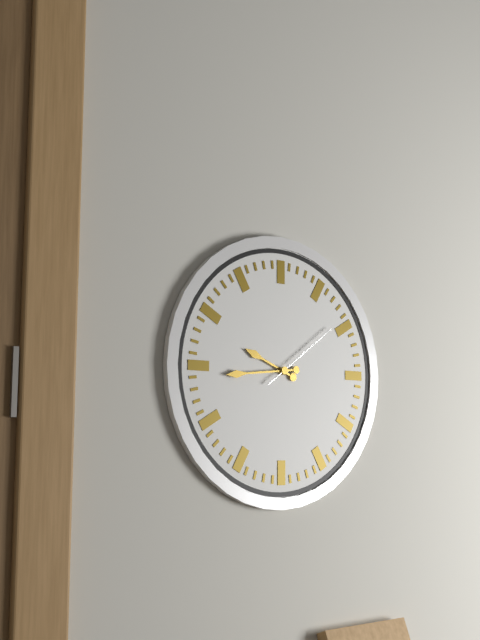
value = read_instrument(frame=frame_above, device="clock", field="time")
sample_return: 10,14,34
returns 9,44,09
